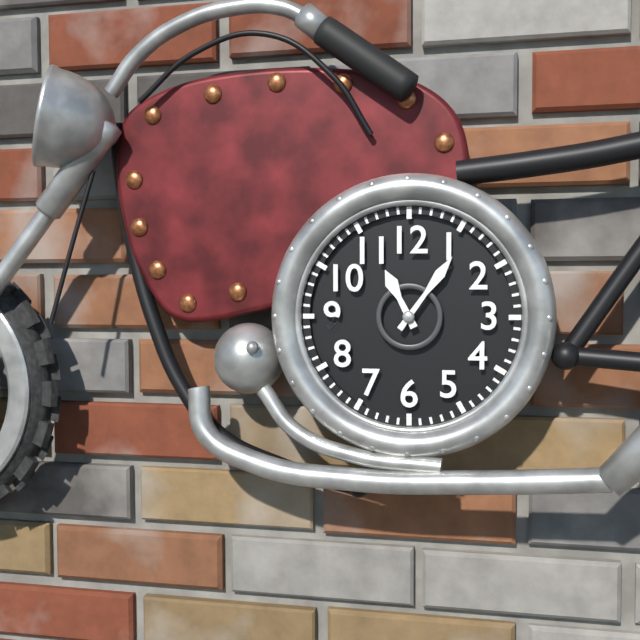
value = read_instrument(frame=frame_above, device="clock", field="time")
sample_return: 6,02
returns 11,06
